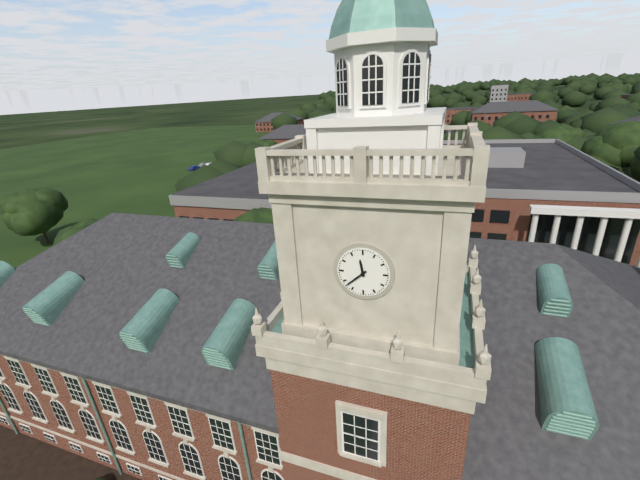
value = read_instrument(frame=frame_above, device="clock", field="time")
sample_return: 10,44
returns 11,38
